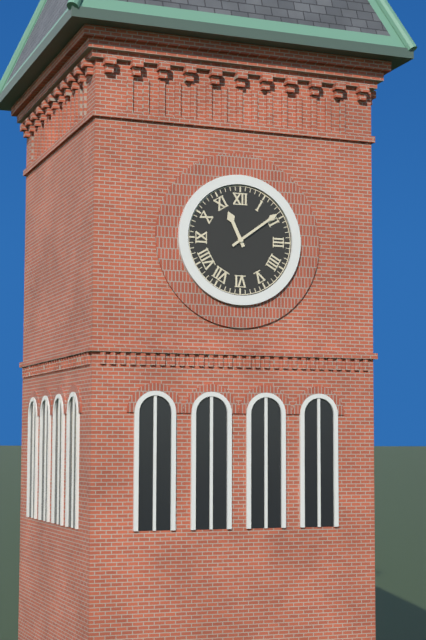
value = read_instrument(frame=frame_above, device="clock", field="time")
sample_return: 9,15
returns 11,09
